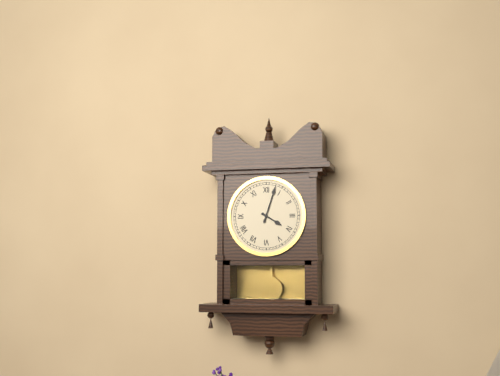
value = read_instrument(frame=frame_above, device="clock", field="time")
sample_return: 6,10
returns 4,03
